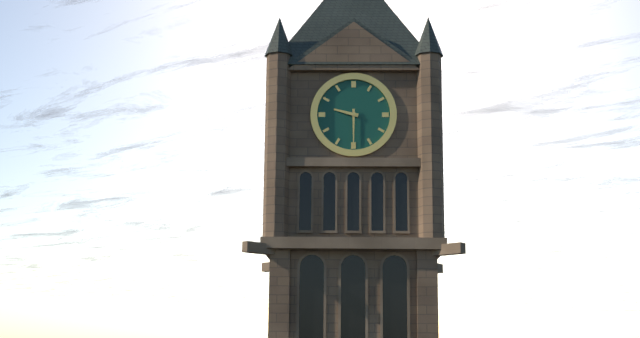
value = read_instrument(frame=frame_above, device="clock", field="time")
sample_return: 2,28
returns 9,30
